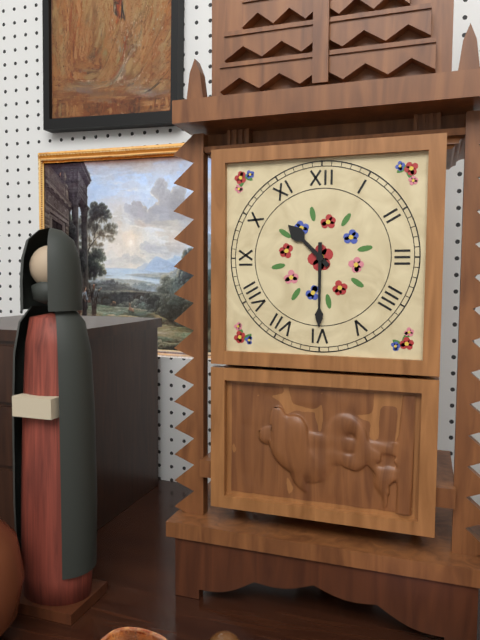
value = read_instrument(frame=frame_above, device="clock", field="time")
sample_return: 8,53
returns 10,30
